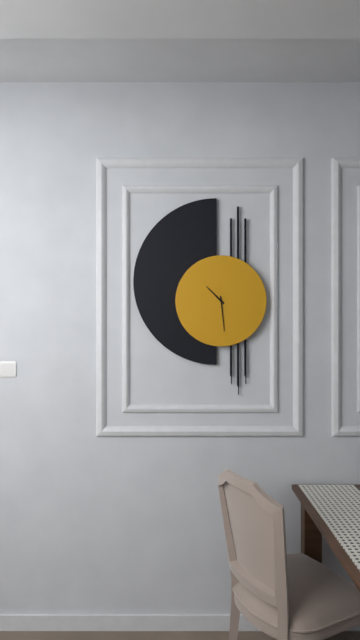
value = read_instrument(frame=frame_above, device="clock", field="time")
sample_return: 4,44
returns 10,29
